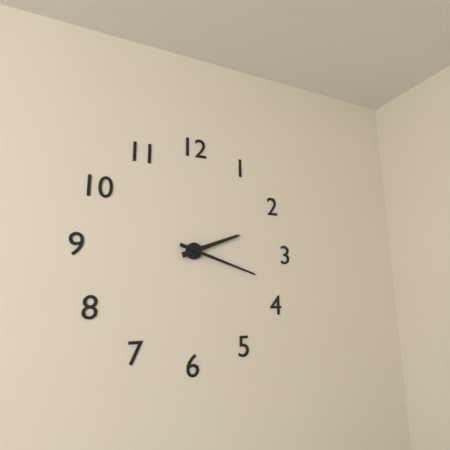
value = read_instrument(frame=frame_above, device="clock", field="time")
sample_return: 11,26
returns 2,18
